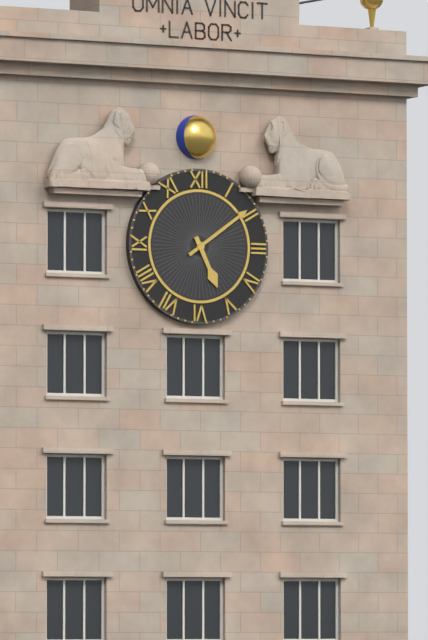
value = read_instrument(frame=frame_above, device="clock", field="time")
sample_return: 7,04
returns 5,09
